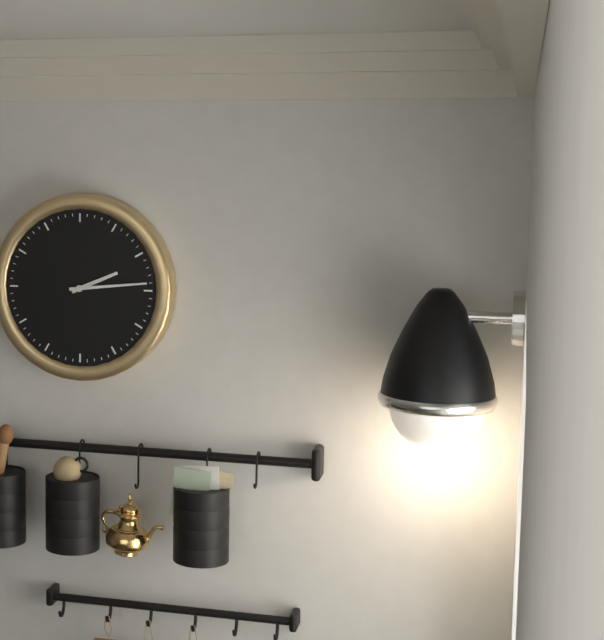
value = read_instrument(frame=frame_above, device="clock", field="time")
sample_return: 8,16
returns 2,14
